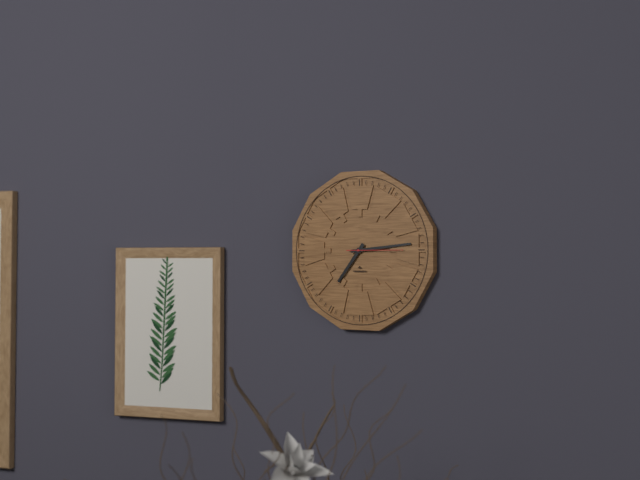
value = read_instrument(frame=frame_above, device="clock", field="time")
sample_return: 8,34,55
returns 7,14,15
